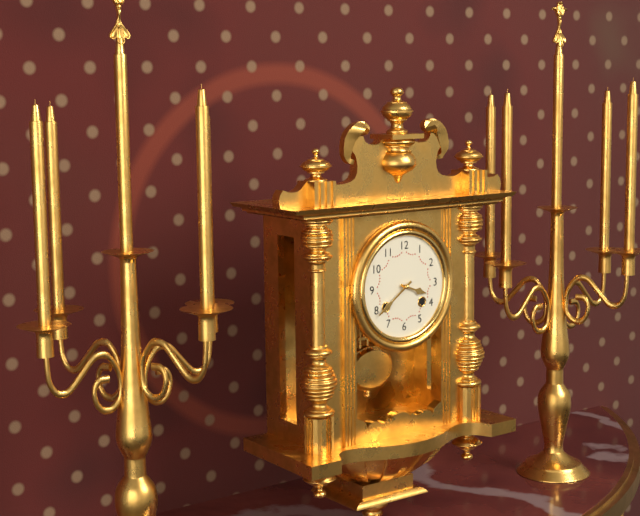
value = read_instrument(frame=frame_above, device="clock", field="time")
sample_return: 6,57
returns 3,39
